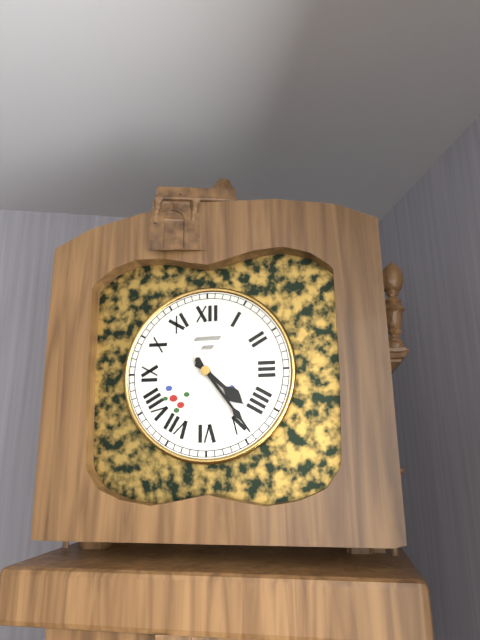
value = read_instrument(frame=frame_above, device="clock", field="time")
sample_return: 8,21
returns 4,24
